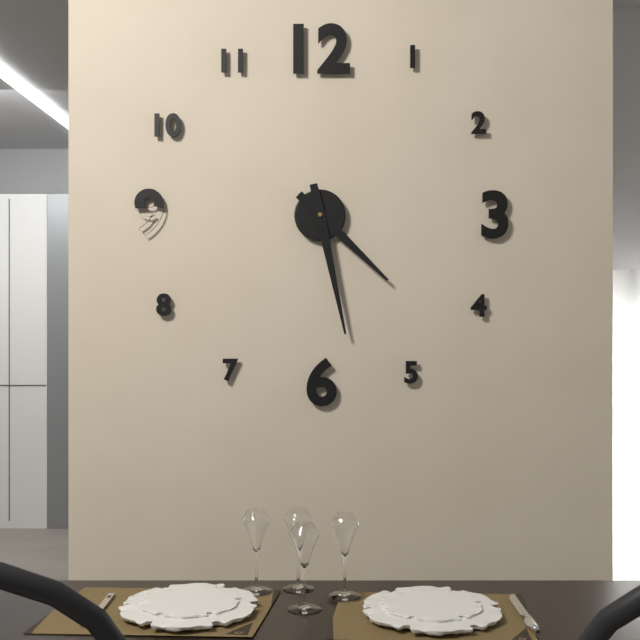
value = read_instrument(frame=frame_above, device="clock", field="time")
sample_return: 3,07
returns 4,28
